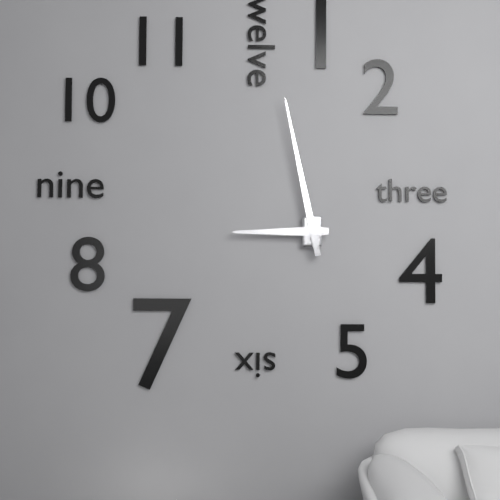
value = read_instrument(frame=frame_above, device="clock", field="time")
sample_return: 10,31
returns 8,58
